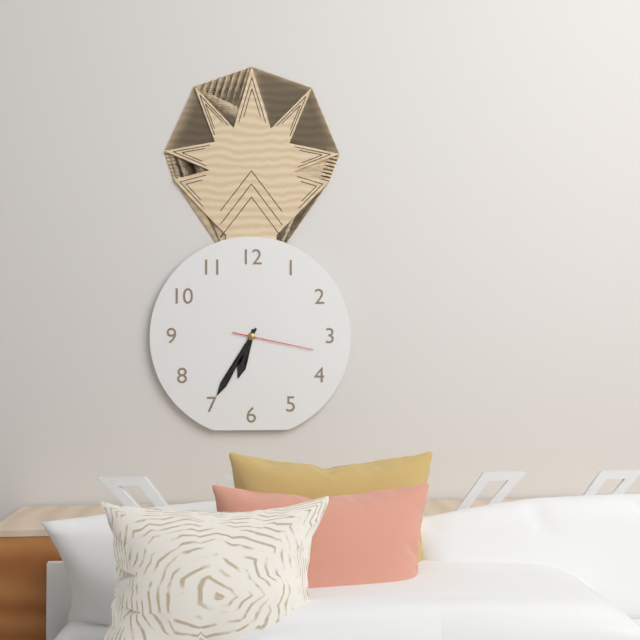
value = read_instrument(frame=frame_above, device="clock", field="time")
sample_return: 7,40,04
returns 6,35,17
